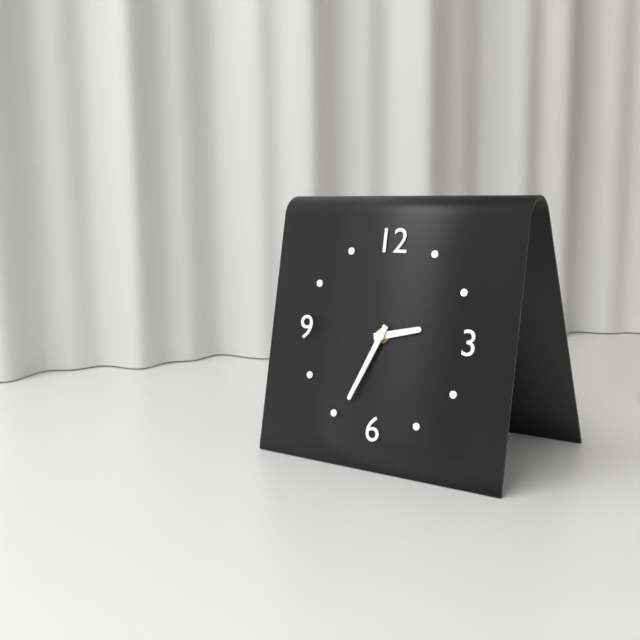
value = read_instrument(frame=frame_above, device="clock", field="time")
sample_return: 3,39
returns 2,34
